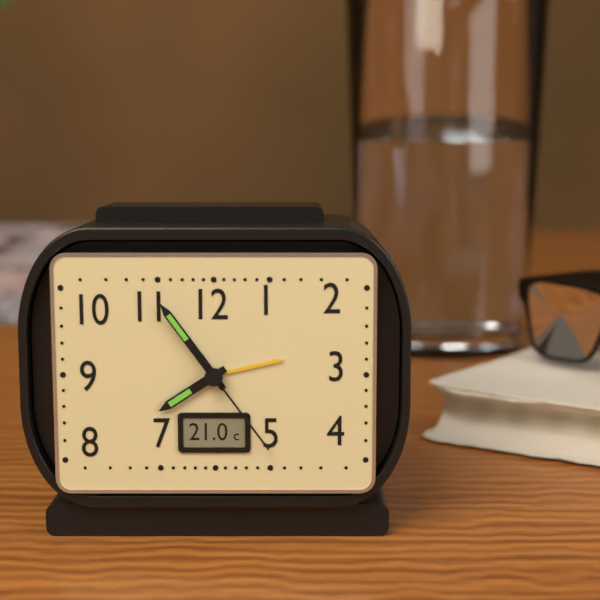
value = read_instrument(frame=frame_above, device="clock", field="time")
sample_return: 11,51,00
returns 7,54,24
